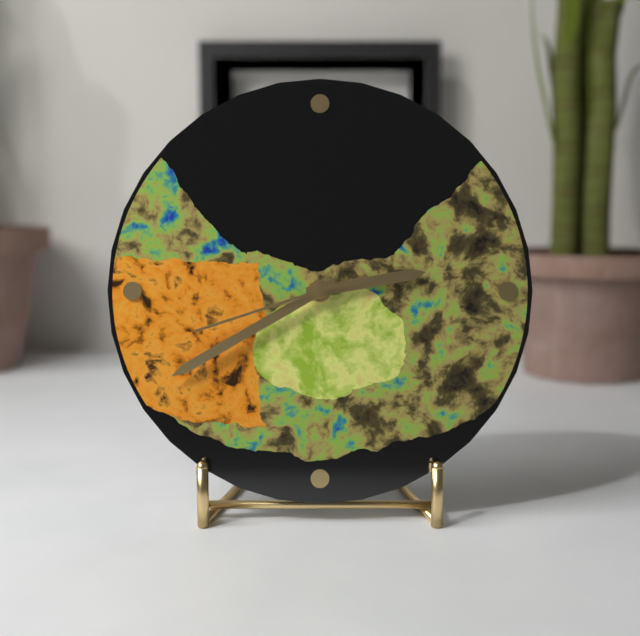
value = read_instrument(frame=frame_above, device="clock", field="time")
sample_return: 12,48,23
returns 2,40,42
